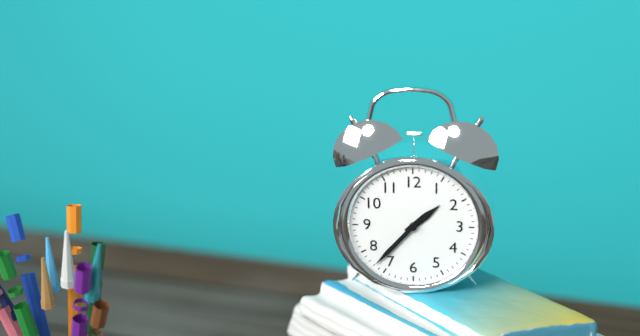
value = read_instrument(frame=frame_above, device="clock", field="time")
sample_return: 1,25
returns 1,37
